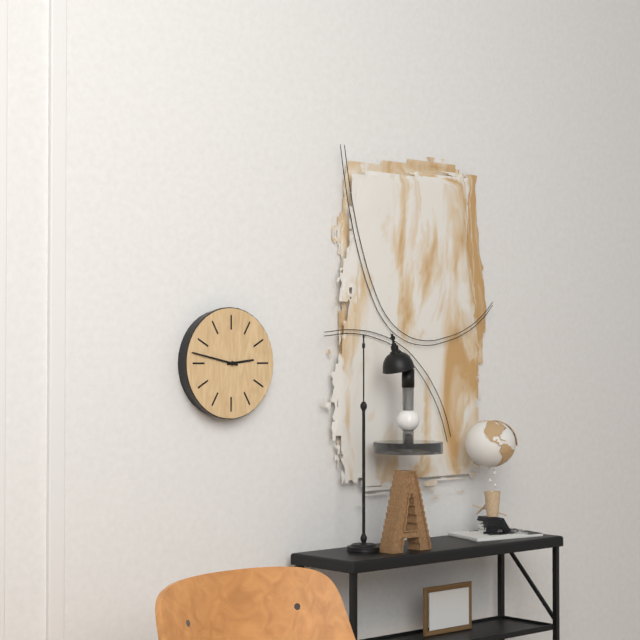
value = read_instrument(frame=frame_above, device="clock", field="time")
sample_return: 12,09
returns 2,47
